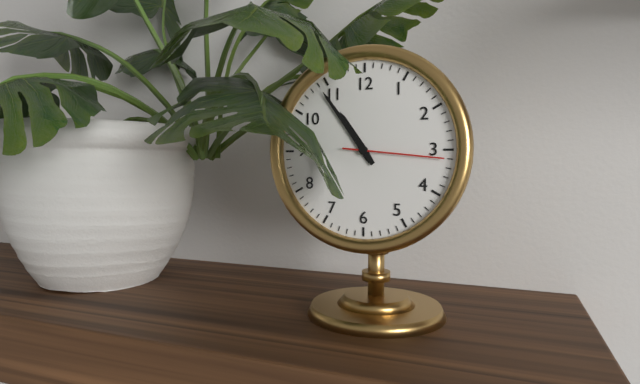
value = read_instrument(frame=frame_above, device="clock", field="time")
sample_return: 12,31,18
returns 10,54,16
